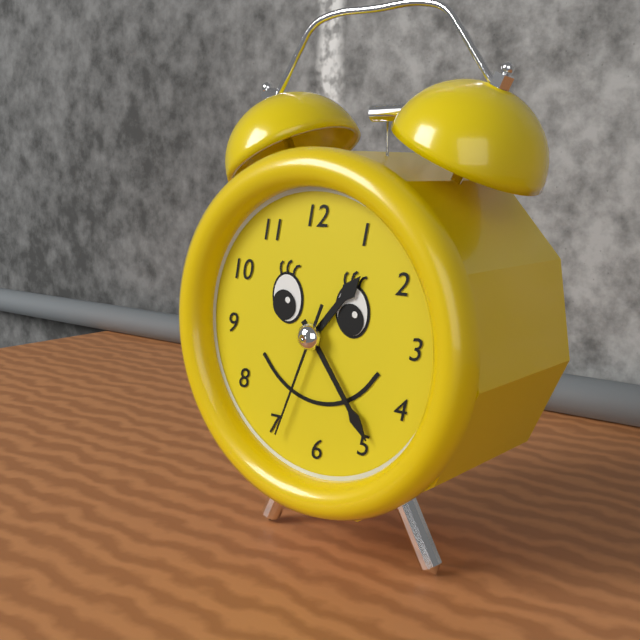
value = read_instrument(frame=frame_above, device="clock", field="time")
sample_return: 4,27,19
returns 1,24,34
